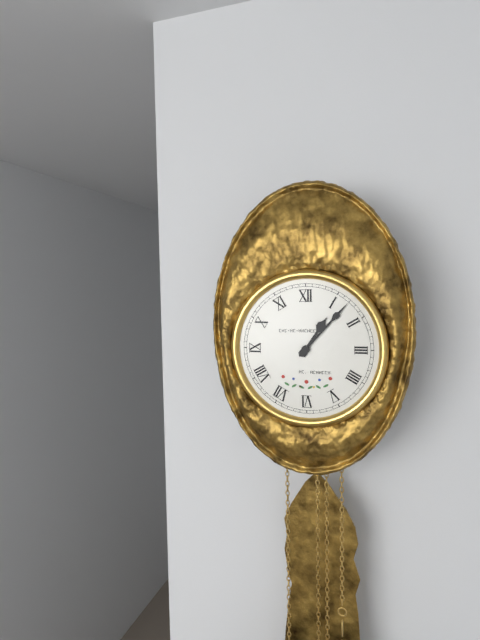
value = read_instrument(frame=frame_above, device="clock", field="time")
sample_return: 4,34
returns 1,07
